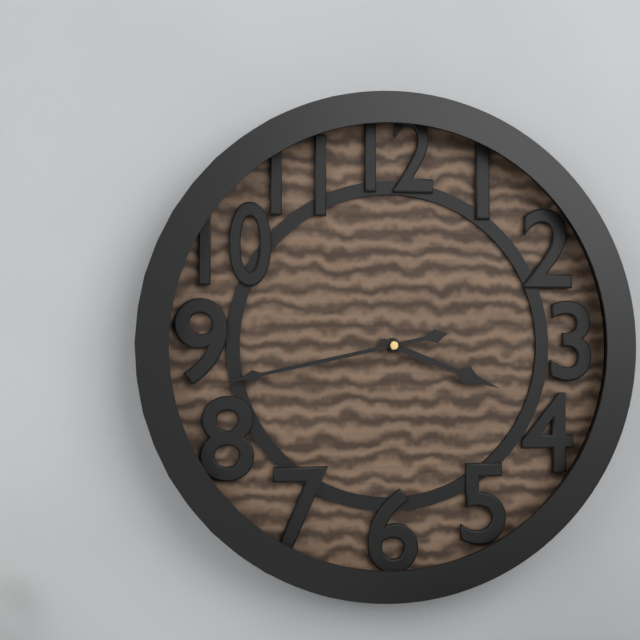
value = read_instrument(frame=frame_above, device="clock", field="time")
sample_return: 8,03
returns 3,43
